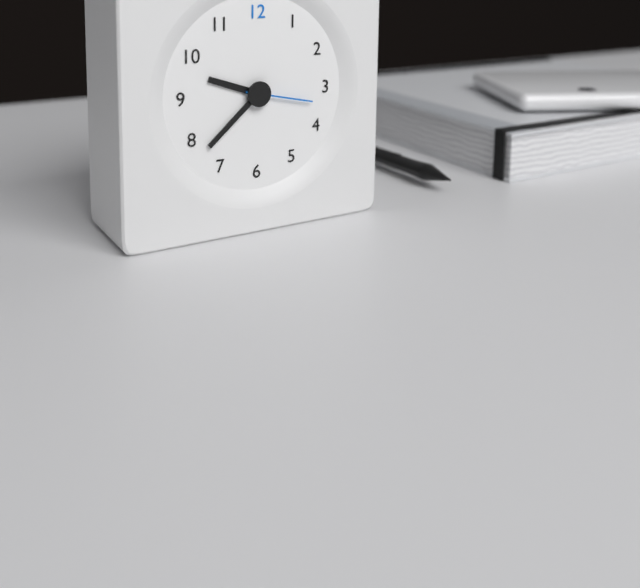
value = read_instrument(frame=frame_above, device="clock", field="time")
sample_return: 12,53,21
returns 9,38,17
